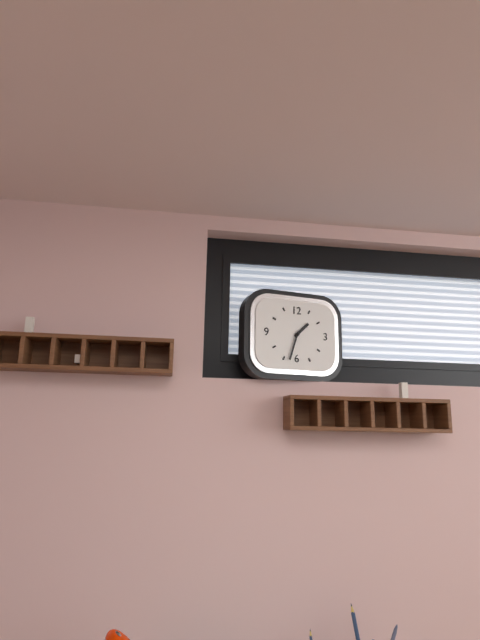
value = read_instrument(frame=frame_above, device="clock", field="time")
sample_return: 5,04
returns 1,33
